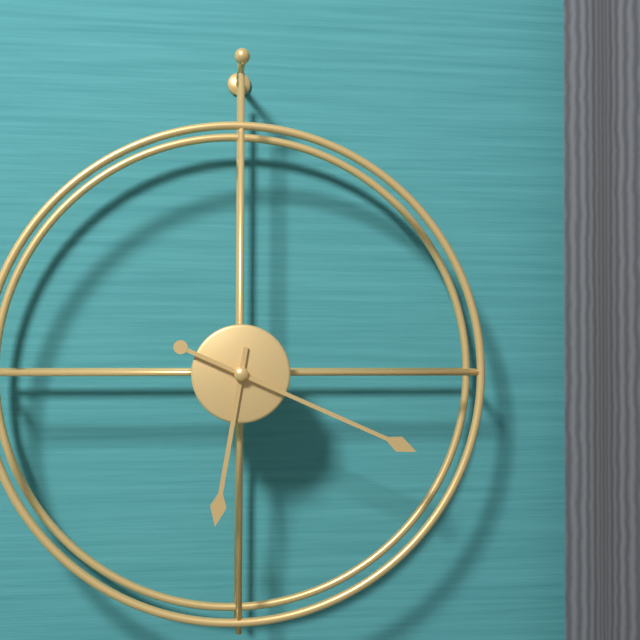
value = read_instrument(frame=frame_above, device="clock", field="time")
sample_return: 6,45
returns 6,19
